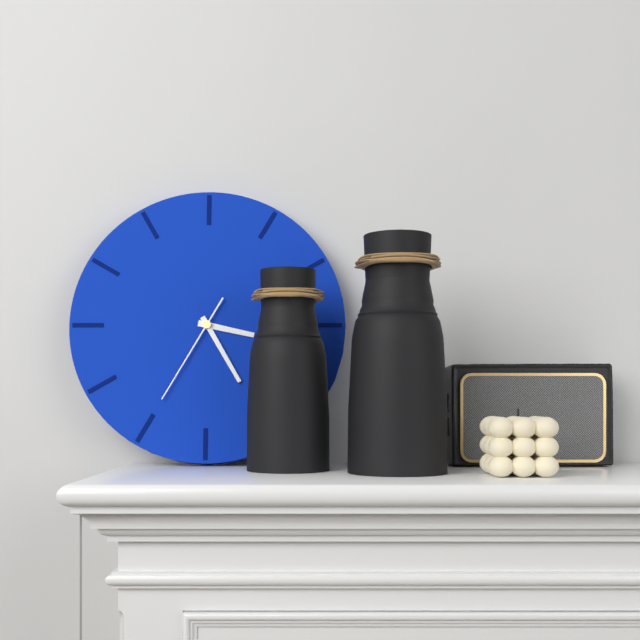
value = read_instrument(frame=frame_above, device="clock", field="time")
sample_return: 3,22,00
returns 3,25,35
